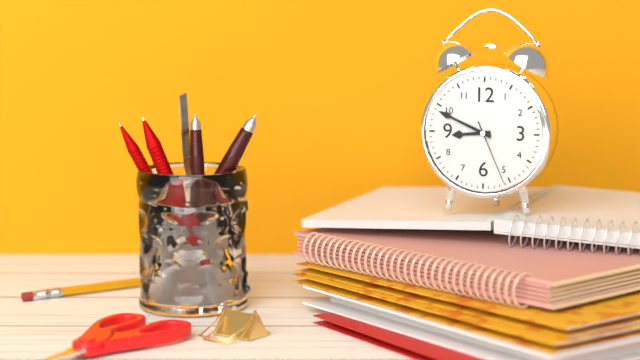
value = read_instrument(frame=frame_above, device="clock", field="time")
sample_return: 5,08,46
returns 8,49,26
